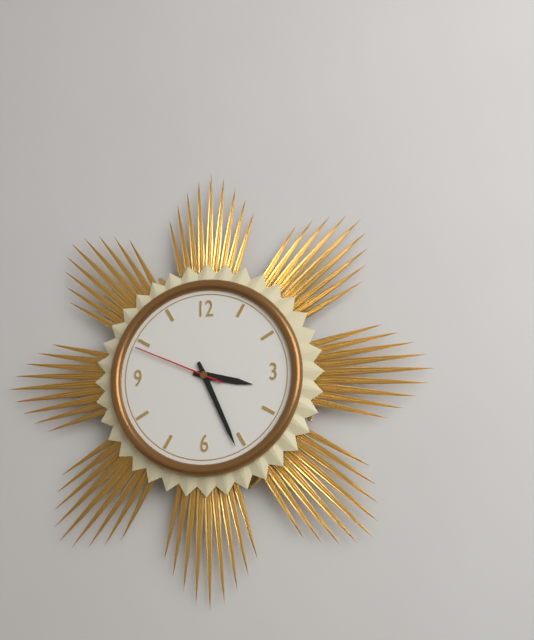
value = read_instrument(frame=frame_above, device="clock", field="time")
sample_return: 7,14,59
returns 3,26,49
